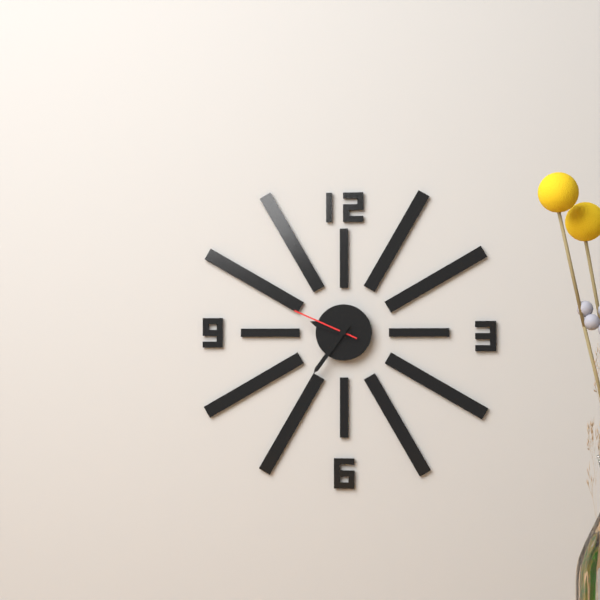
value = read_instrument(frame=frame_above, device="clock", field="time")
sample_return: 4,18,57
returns 9,36,49
